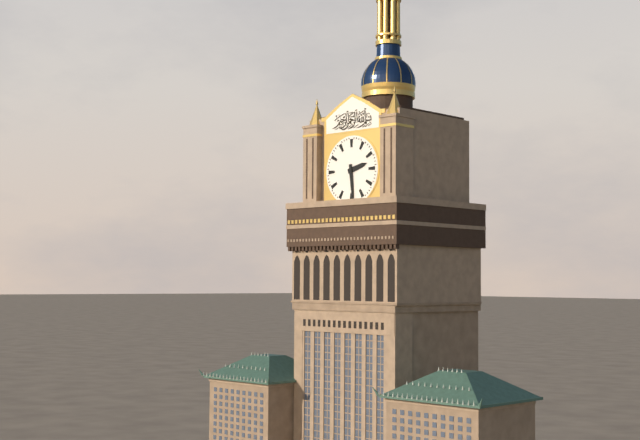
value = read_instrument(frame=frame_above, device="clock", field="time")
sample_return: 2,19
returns 2,29
